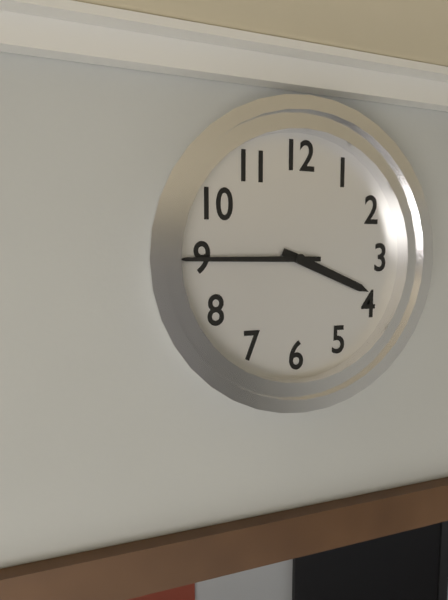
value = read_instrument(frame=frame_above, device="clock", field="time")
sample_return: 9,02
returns 3,45
